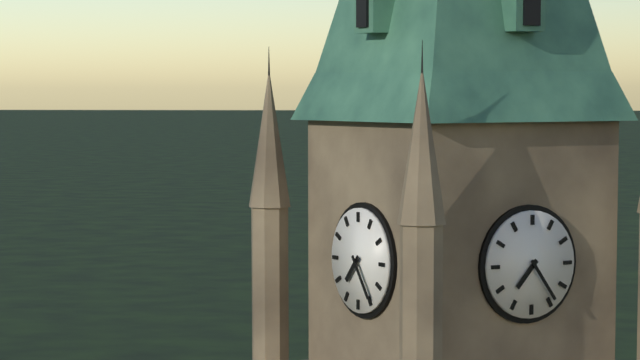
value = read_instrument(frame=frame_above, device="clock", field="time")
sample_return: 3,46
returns 7,24
